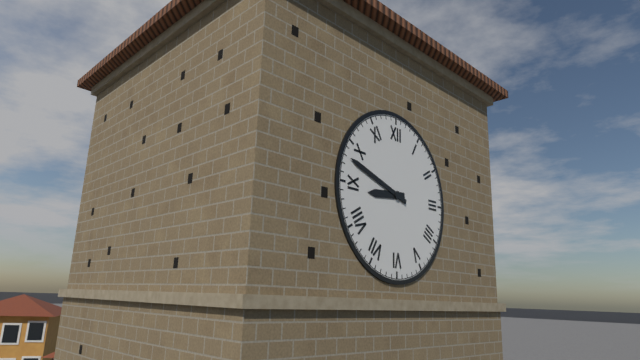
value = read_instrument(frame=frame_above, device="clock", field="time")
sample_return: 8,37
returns 8,48
